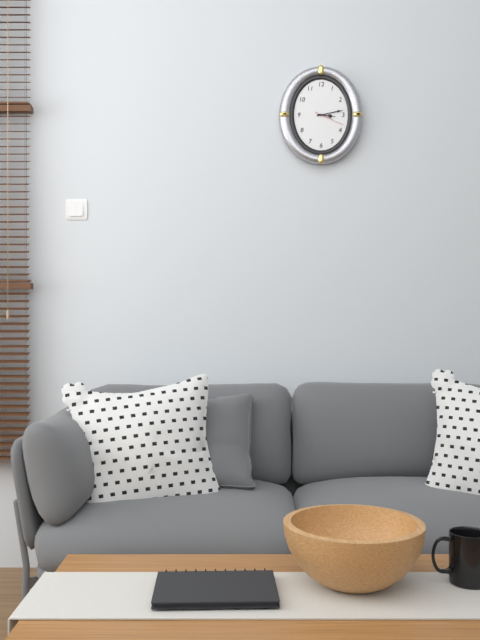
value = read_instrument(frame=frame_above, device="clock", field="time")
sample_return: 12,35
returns 3,13
